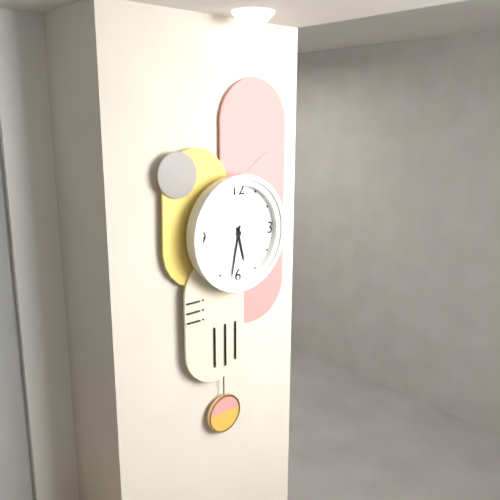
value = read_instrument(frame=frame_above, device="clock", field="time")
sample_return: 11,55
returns 5,32
